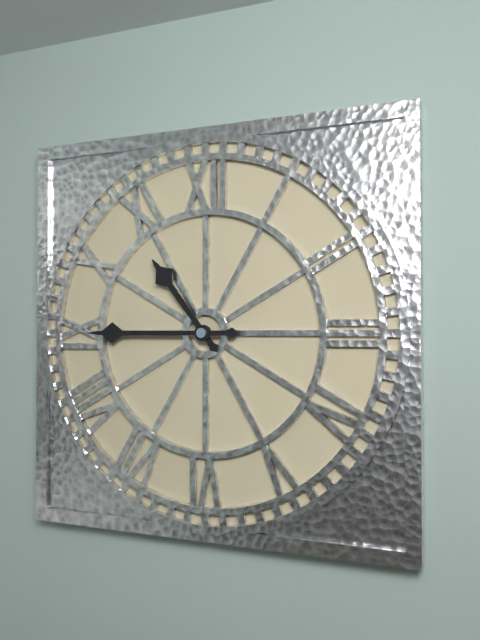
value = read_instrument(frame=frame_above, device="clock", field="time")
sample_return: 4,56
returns 10,45
